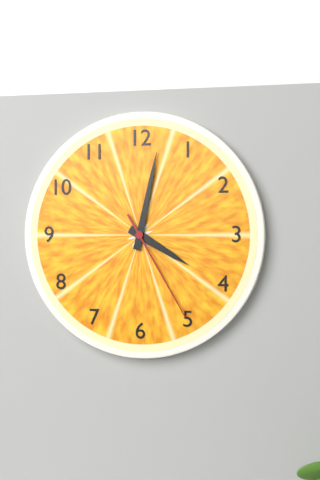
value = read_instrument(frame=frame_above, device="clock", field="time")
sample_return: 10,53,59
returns 4,02,25
